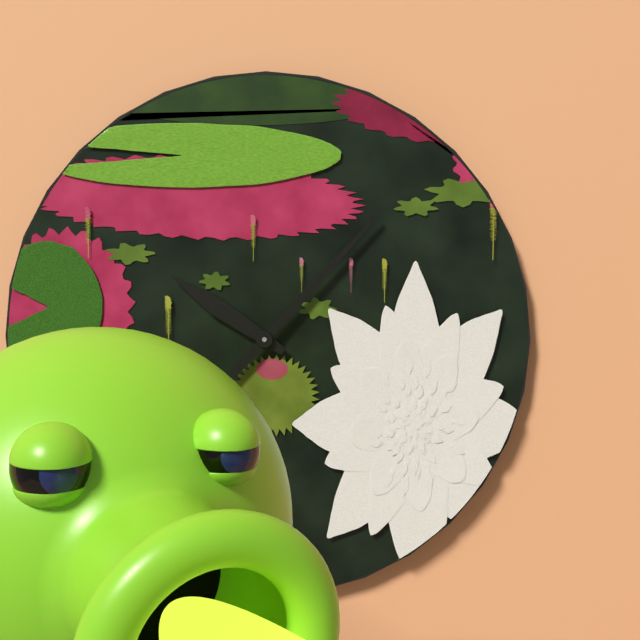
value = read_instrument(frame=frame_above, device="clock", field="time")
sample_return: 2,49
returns 10,07
